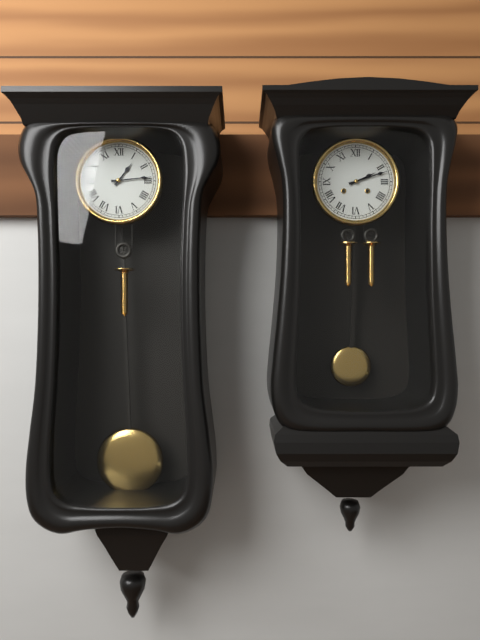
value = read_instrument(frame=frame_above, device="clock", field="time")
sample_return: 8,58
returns 1,14
